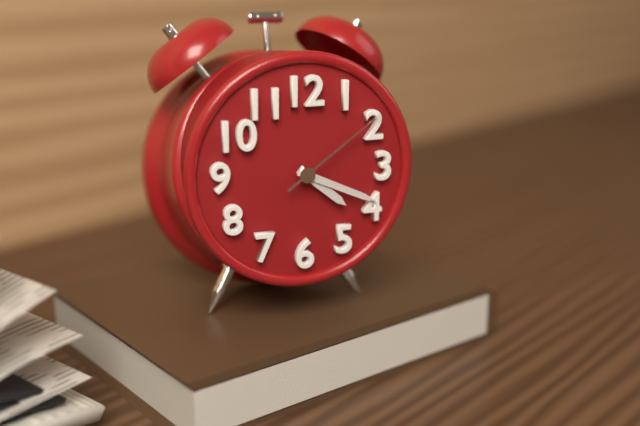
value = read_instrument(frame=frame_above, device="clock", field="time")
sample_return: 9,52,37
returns 4,19,09
